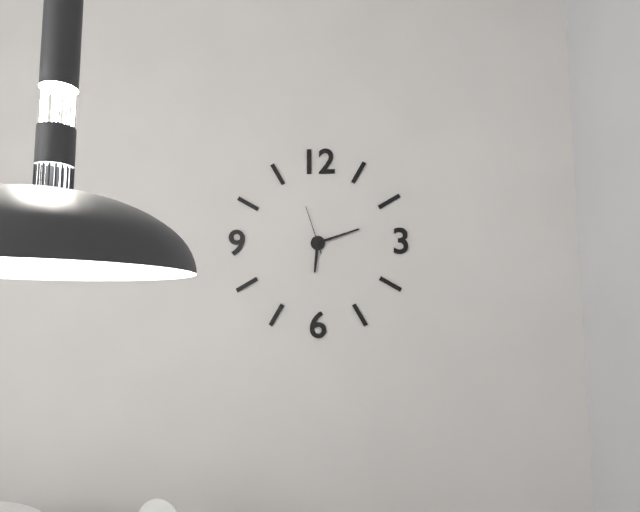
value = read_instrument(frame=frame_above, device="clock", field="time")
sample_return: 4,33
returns 6,12
